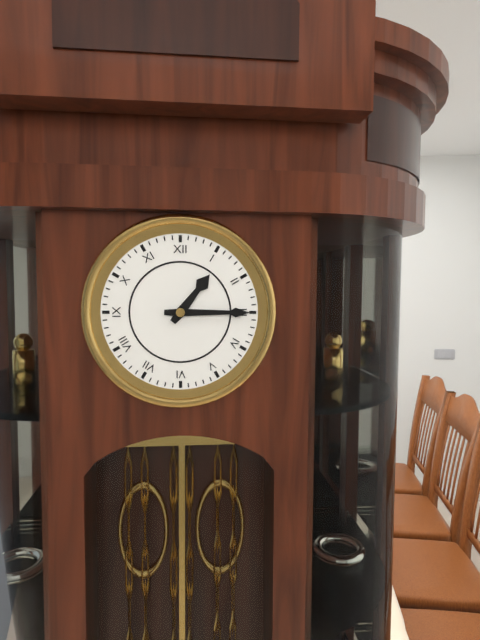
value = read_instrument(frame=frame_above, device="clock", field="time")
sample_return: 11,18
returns 1,15
